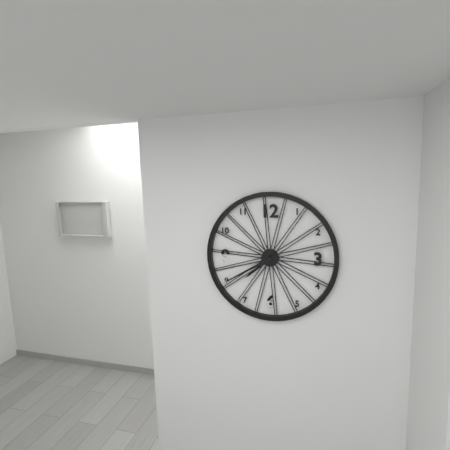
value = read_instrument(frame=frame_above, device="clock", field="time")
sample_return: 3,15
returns 7,40
